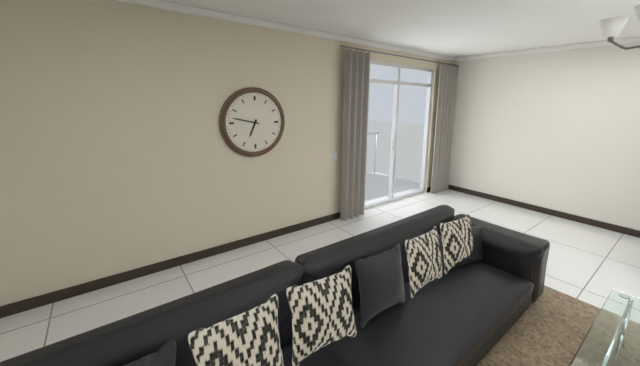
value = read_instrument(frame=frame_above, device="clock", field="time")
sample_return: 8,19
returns 6,47
